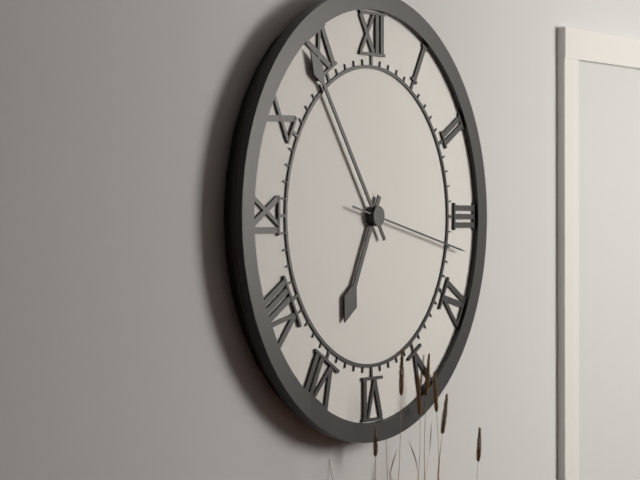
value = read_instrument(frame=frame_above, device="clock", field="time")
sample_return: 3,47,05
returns 6,54,17
